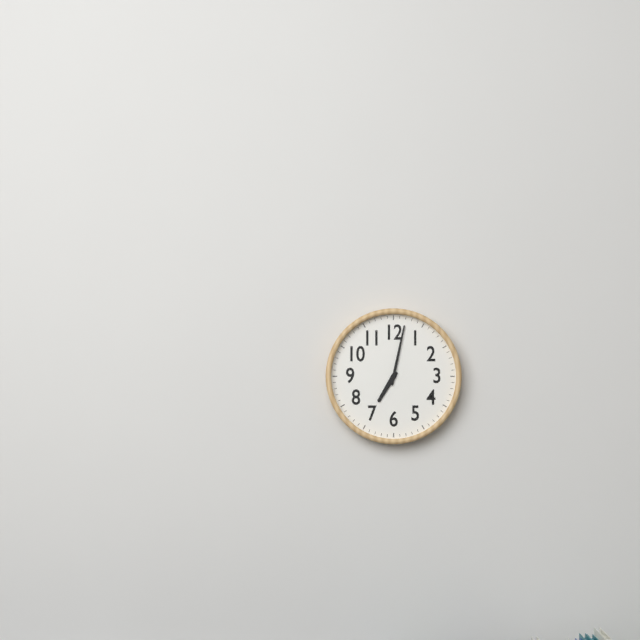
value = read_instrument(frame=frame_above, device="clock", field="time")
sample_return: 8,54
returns 7,02
